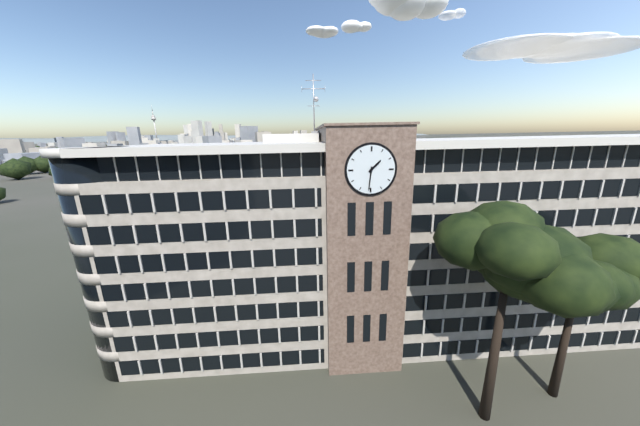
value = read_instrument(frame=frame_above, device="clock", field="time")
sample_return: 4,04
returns 1,31
